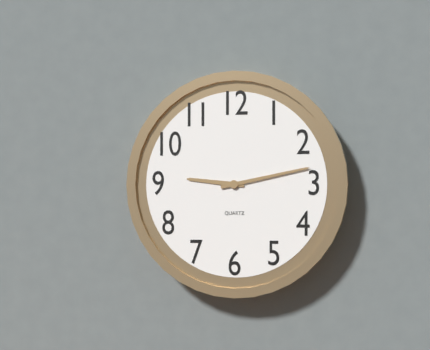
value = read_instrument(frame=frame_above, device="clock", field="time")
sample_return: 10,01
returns 9,13
